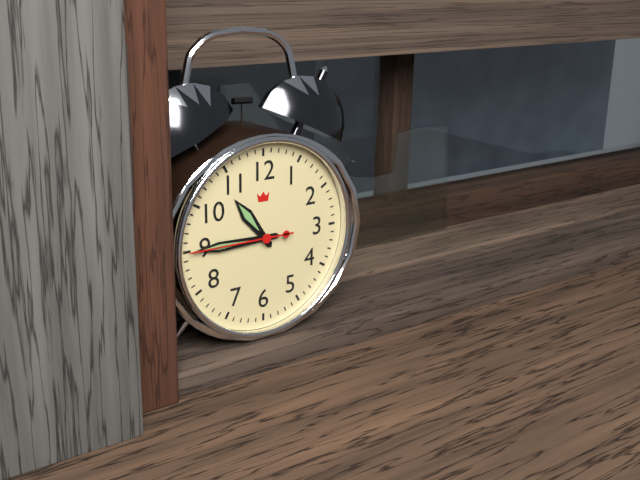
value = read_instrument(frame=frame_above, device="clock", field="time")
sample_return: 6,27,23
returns 10,45,45
